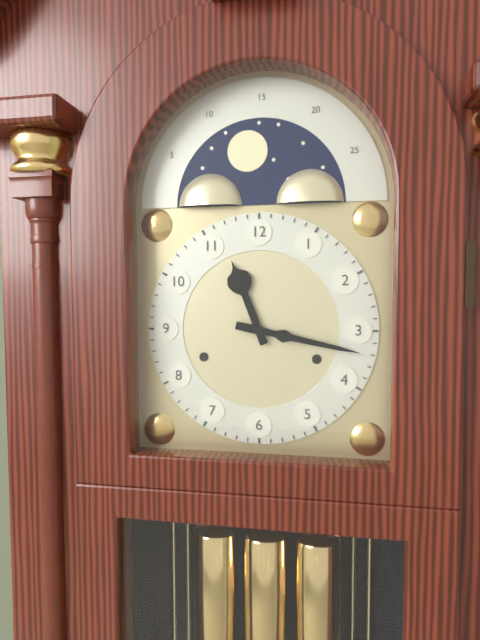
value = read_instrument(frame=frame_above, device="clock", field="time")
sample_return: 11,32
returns 11,17
